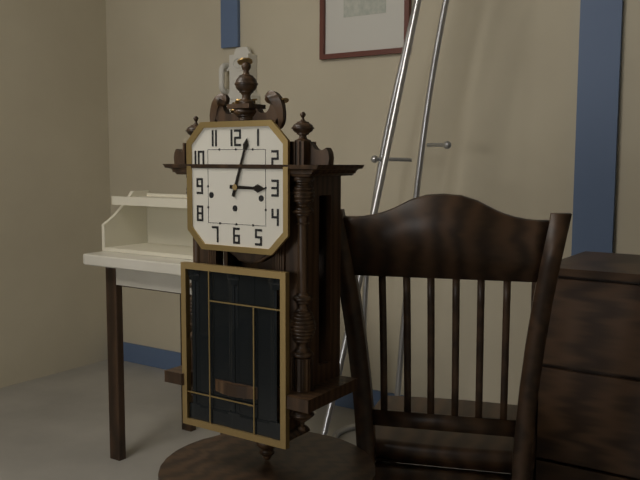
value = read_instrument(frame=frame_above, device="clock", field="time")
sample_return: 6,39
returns 3,03
